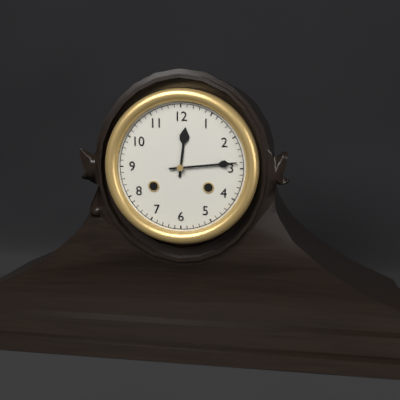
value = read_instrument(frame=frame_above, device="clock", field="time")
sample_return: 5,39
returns 12,14
